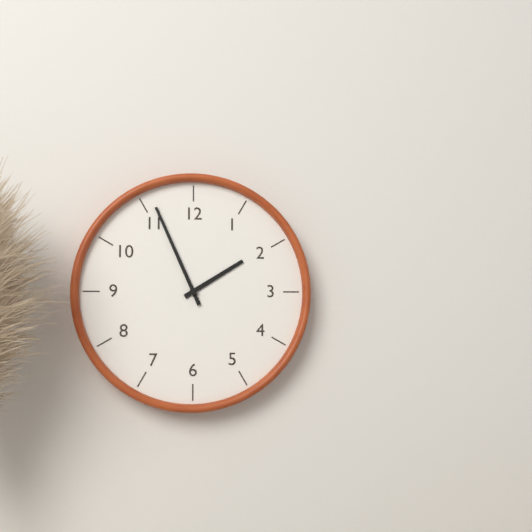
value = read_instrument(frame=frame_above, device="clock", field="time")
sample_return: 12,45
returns 1,56
